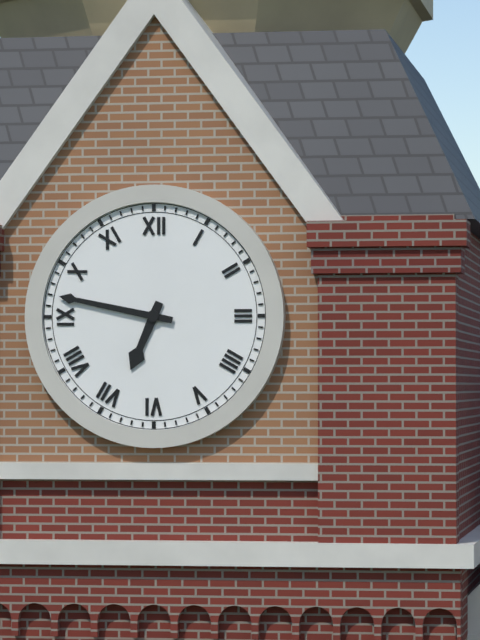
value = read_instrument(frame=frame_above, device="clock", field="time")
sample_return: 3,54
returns 6,47
